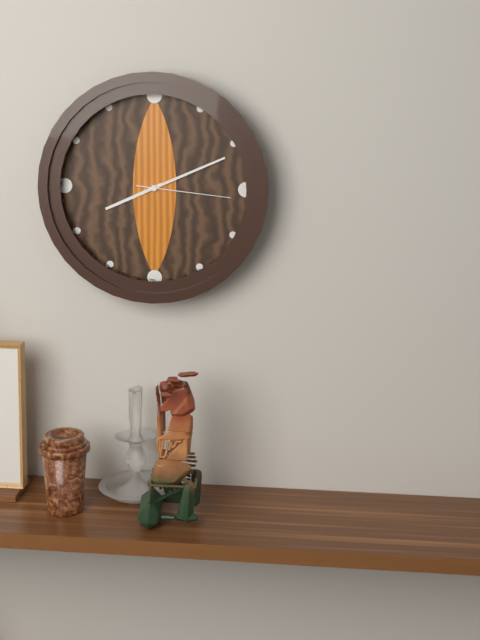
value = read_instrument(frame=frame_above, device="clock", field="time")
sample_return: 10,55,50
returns 8,11,16
